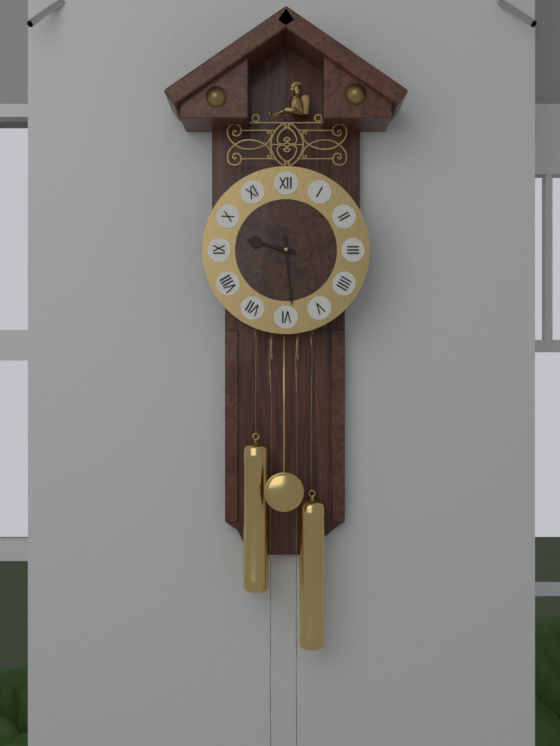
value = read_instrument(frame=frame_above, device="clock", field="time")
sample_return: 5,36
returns 9,29
